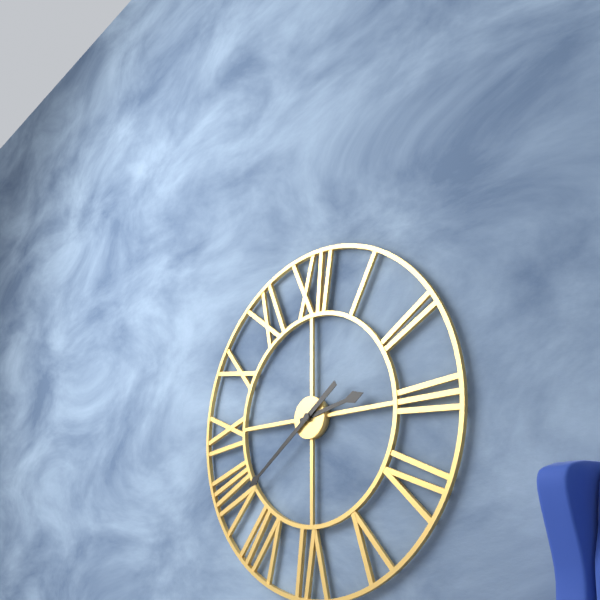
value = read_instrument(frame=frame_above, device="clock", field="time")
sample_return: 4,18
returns 2,39
